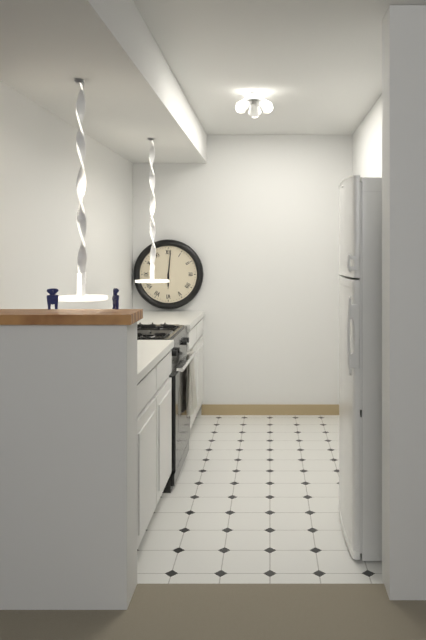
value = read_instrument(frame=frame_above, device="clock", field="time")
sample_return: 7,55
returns 6,01
